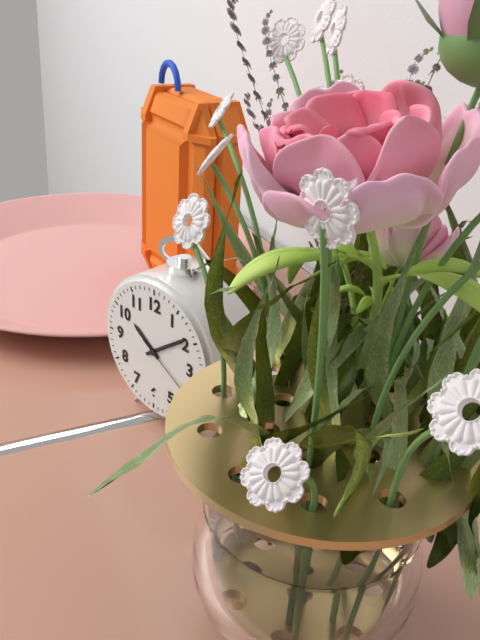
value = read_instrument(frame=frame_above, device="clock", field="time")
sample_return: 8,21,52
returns 10,09,20
